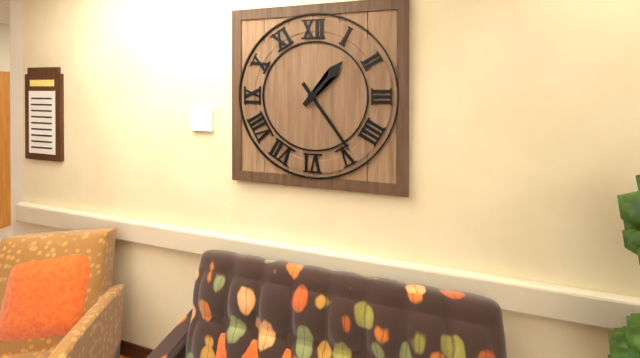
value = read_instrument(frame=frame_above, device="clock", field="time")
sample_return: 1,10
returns 1,24
